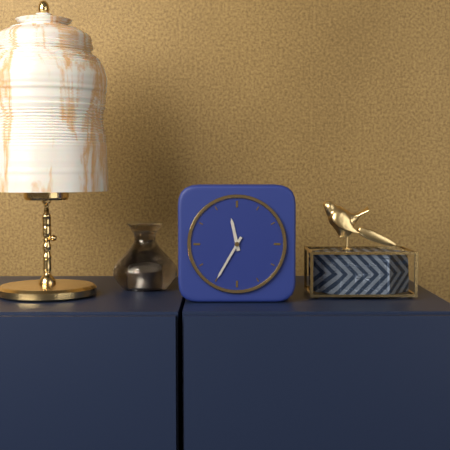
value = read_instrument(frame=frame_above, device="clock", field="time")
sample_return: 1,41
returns 11,35
